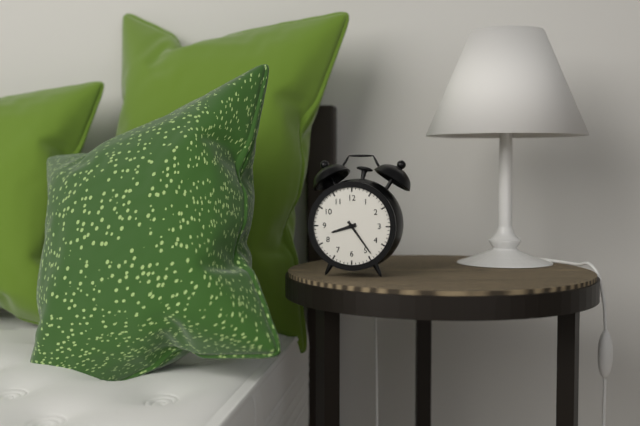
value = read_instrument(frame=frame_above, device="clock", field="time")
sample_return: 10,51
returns 8,24
